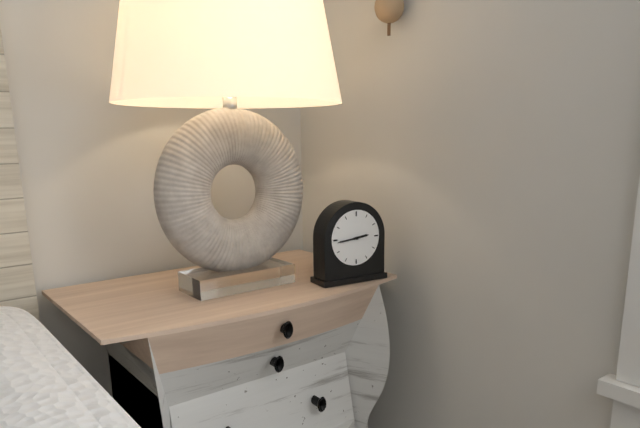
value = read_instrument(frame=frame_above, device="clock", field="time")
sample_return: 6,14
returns 2,44
